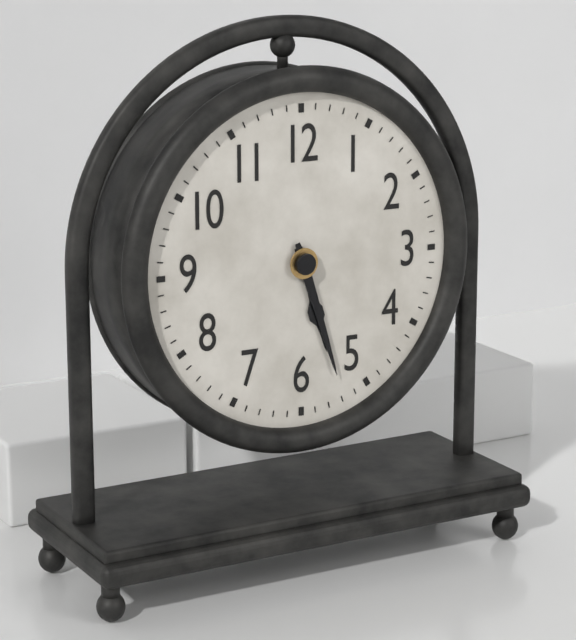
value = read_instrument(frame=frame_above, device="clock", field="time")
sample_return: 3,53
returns 5,27
